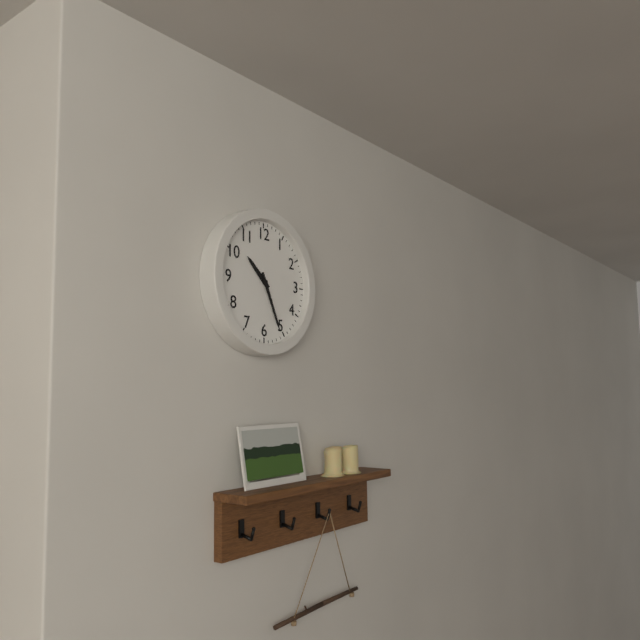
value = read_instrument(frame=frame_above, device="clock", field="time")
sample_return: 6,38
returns 10,26
